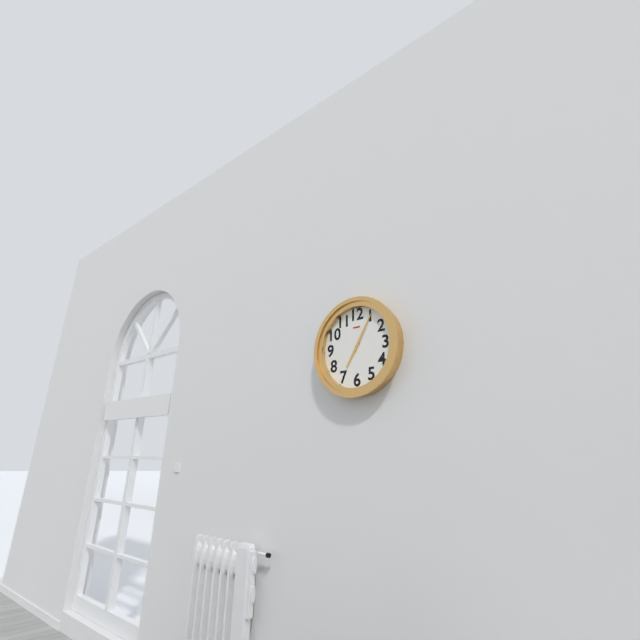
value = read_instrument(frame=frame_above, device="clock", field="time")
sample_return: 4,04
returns 7,05
